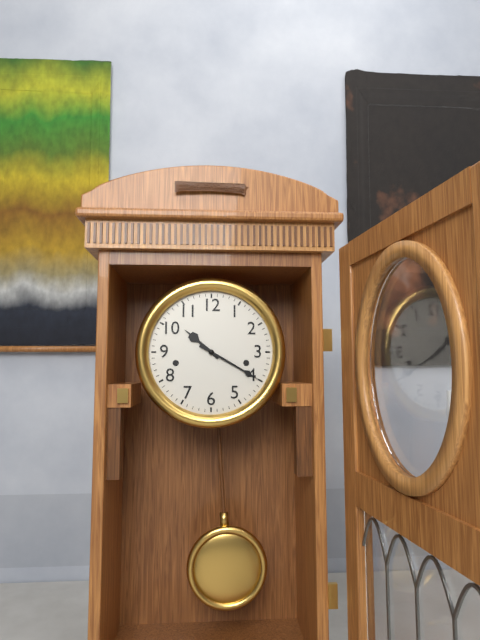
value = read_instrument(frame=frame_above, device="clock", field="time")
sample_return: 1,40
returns 10,20
